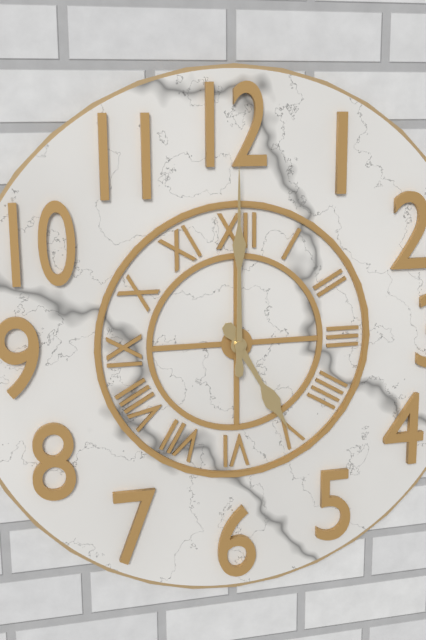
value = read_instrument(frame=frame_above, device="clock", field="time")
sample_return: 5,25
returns 5,00
